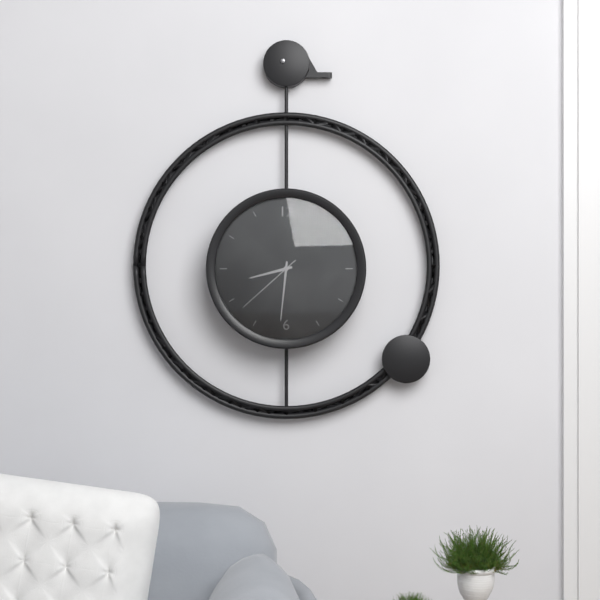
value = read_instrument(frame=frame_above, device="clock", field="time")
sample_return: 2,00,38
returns 8,31,38
